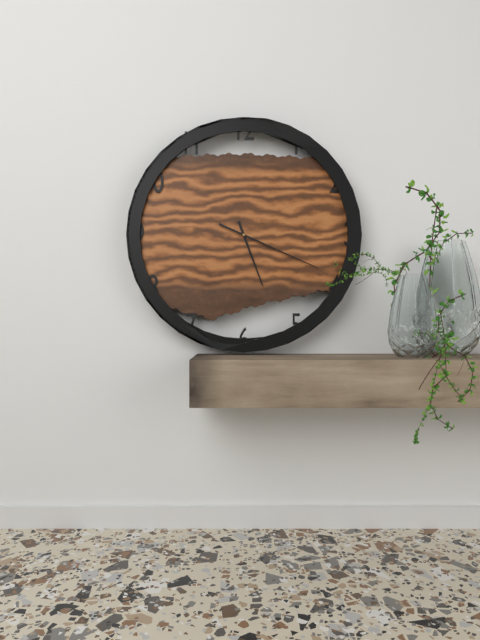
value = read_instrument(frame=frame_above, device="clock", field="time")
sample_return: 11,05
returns 5,19
